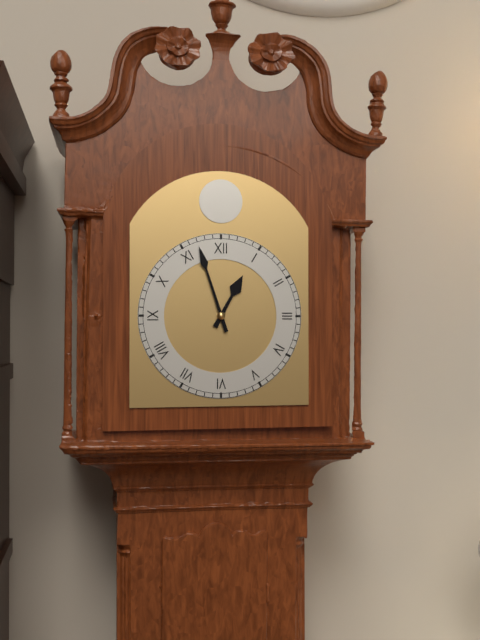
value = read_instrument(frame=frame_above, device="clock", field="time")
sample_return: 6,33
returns 12,57
